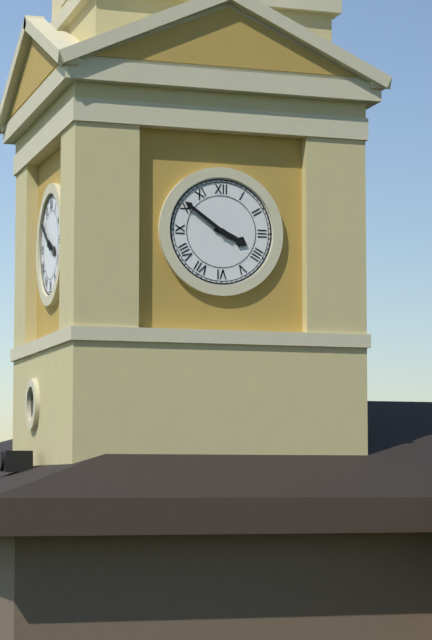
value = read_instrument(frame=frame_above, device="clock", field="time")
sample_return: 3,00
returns 3,51
